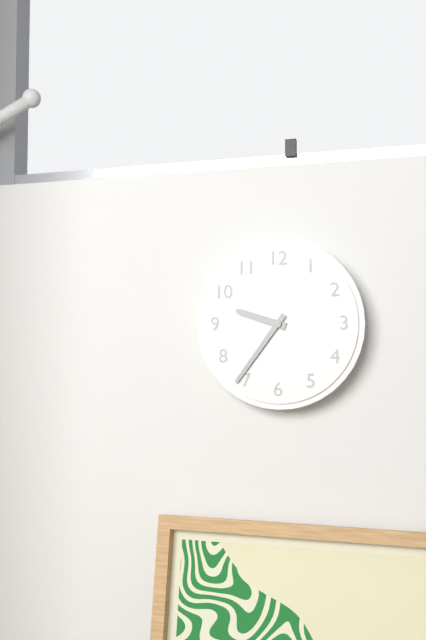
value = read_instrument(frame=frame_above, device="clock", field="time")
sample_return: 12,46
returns 9,36
